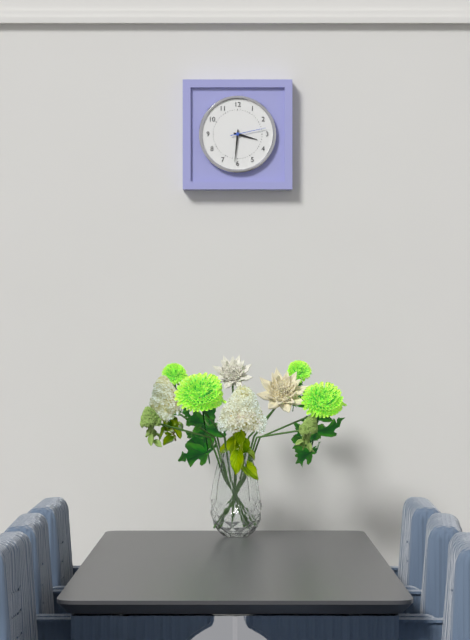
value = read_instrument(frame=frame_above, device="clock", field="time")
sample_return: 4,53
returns 3,31
